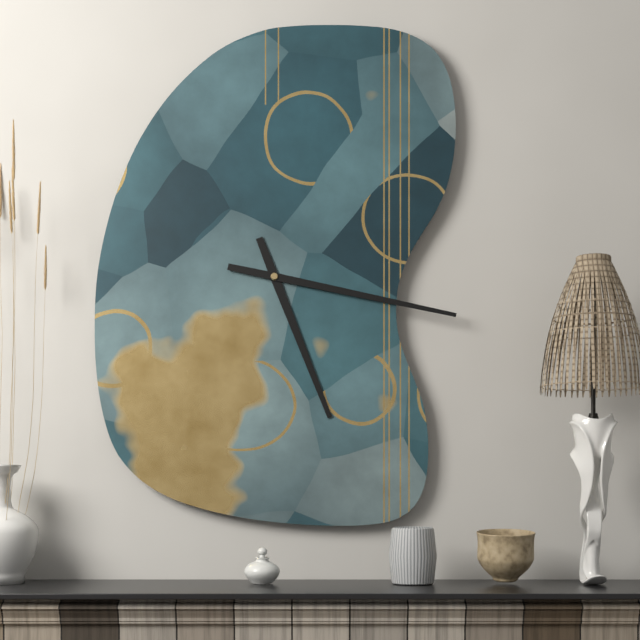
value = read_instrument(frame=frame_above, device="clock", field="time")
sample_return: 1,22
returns 5,17
